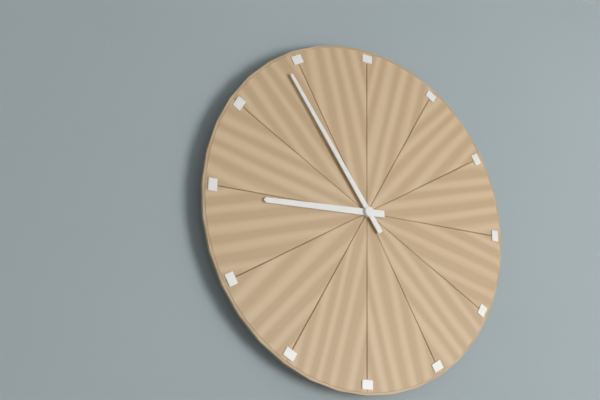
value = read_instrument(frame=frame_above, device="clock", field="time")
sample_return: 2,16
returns 8,54
